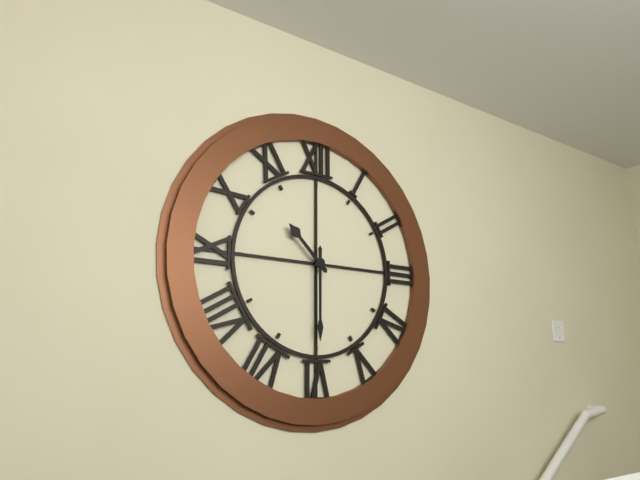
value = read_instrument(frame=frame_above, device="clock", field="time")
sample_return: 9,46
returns 10,30
